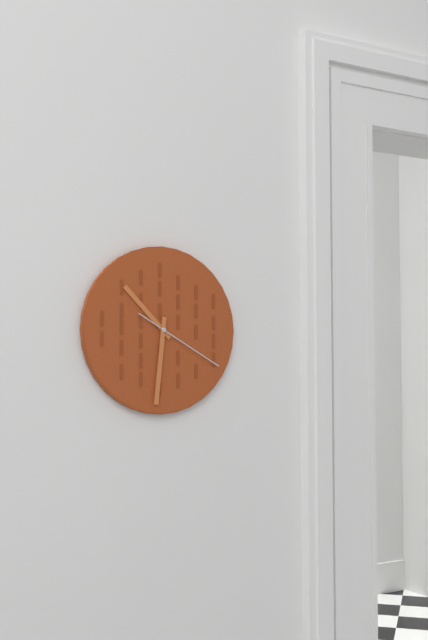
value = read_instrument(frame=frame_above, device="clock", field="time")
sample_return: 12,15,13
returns 10,31,20
